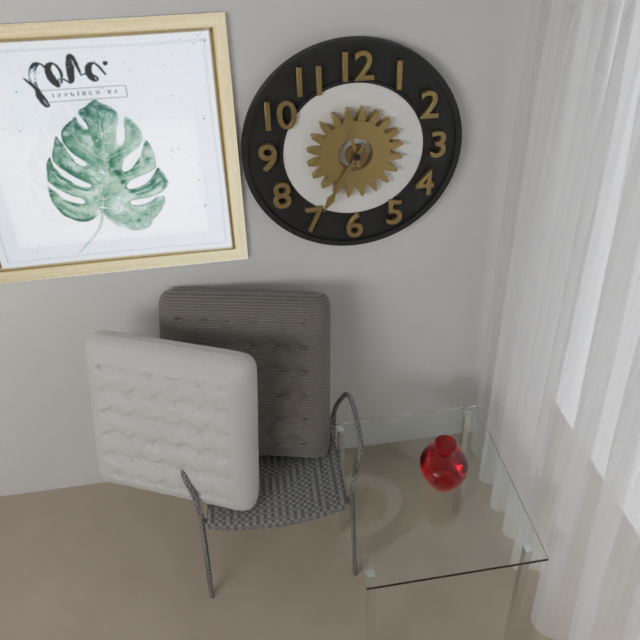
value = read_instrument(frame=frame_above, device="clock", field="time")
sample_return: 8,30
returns 11,35
